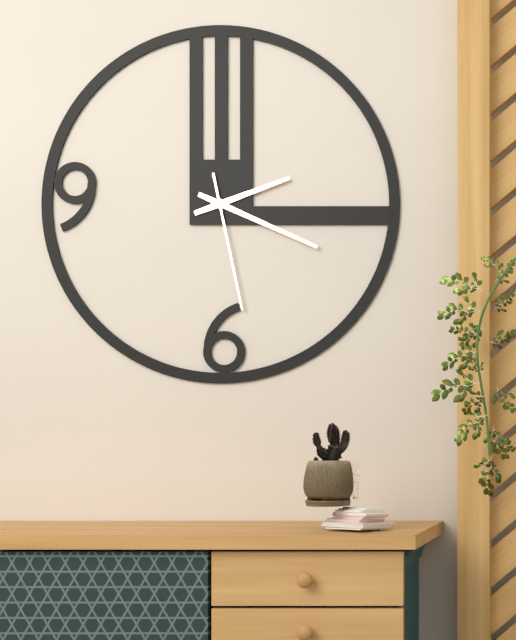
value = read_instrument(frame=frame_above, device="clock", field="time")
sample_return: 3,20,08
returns 2,19,28
